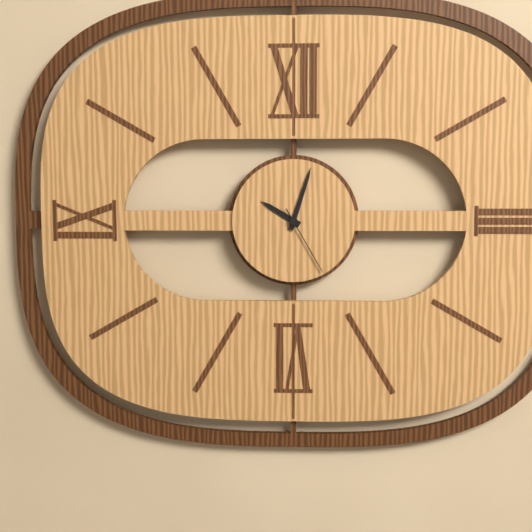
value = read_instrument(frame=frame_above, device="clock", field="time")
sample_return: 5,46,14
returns 10,03,25
